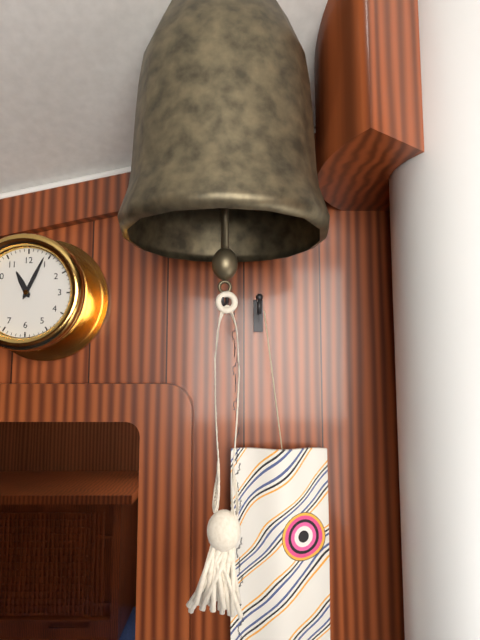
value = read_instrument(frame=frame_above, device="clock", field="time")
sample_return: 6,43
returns 11,04
